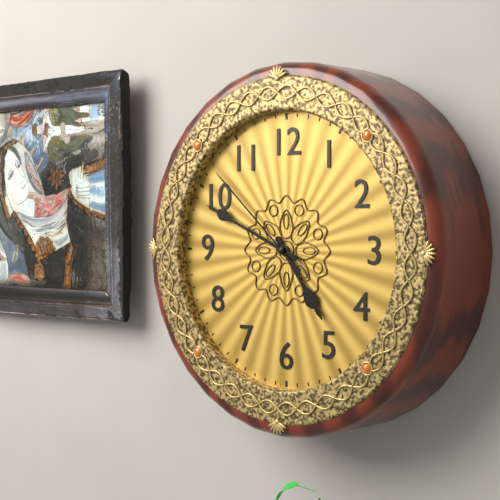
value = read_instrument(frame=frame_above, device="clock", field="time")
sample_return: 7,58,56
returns 4,49,52
